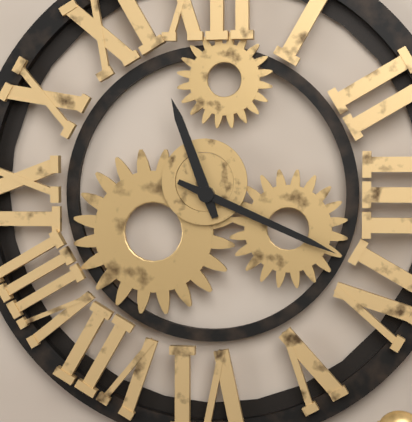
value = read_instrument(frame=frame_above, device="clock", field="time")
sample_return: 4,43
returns 11,19
